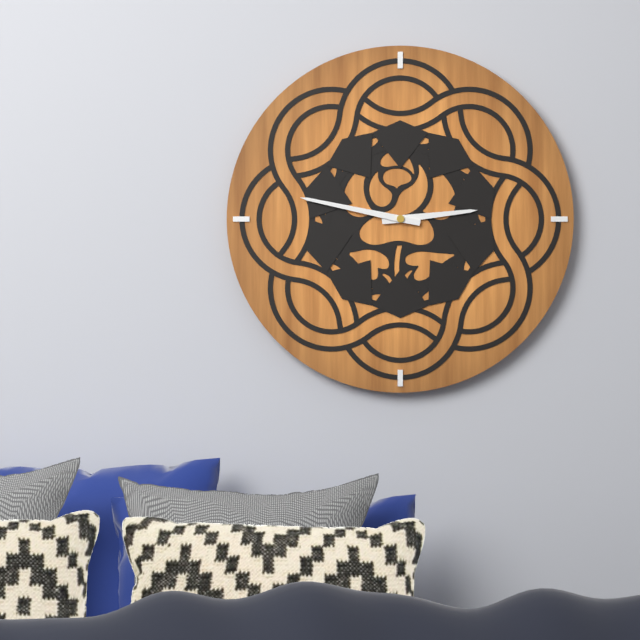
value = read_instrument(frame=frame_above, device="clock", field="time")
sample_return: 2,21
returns 2,47
